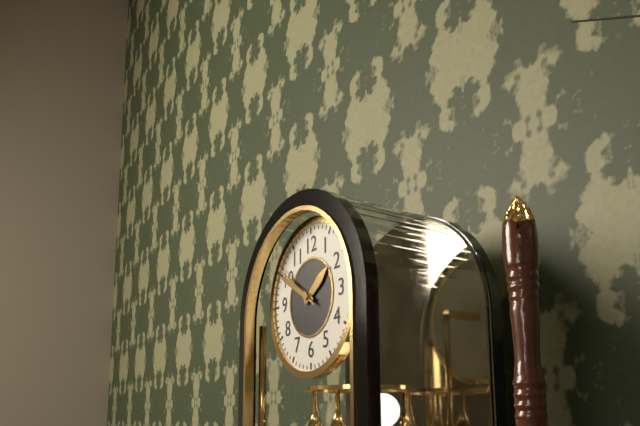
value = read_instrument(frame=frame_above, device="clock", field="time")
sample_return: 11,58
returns 1,50
